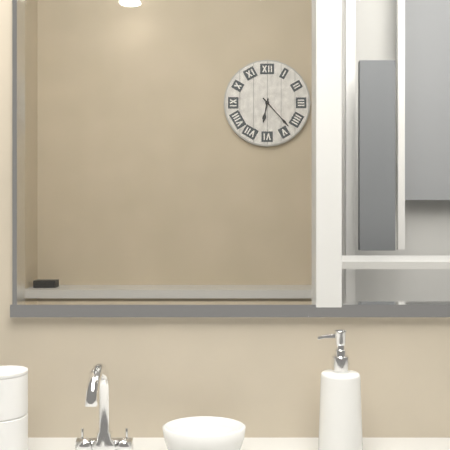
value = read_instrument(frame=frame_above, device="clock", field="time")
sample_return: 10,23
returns 6,23
